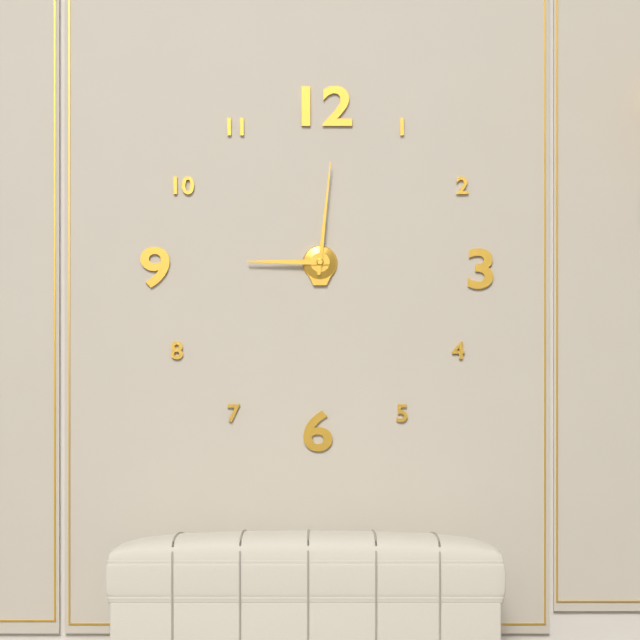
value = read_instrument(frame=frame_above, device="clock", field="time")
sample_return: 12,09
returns 9,01
